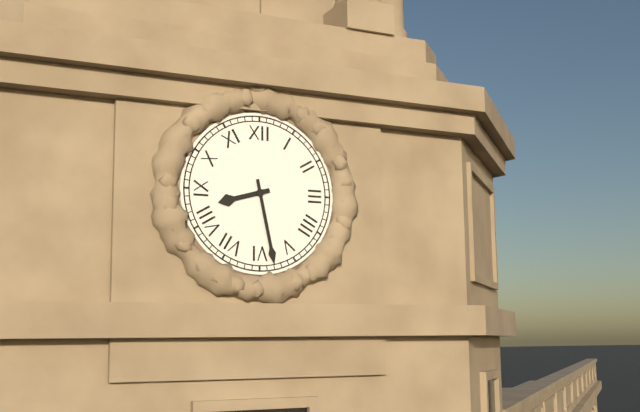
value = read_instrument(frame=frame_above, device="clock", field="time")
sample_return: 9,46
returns 8,28
